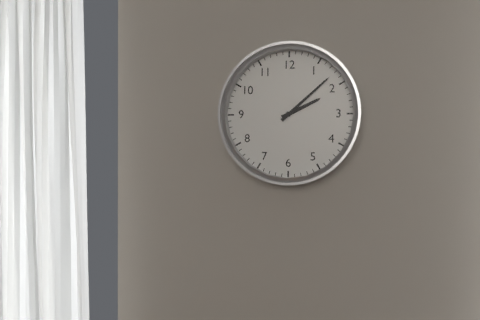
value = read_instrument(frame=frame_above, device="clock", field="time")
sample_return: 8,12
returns 2,08
